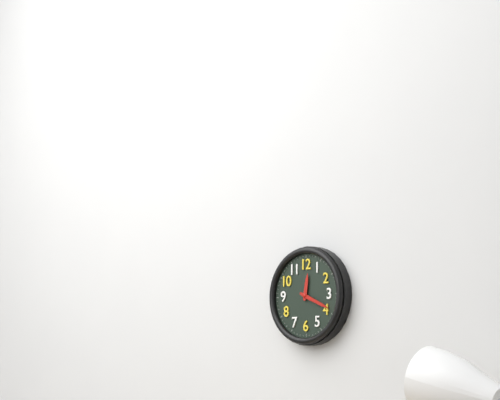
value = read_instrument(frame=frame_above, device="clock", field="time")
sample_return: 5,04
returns 12,19
